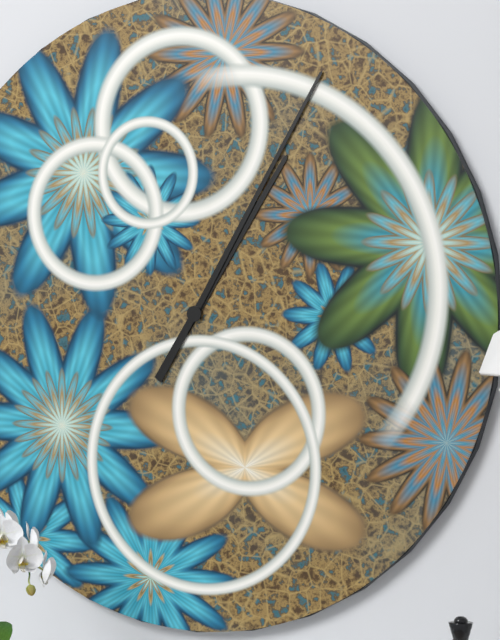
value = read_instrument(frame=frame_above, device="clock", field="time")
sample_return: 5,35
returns 1,05
